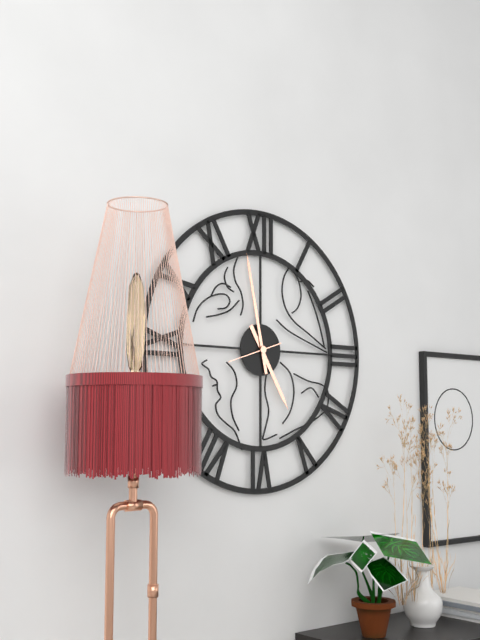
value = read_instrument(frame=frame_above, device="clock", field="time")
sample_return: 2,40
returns 4,58
